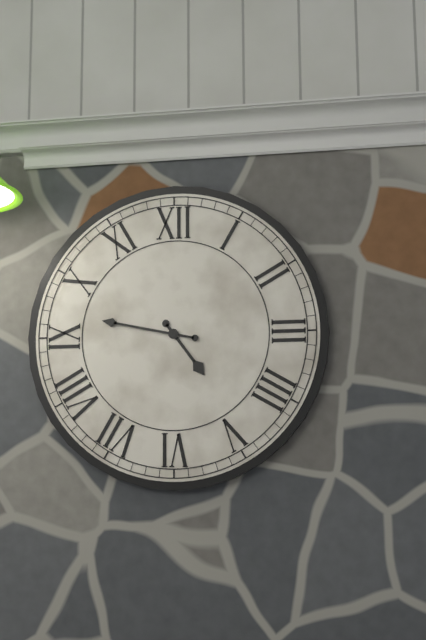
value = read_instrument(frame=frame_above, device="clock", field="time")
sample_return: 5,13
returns 4,47
